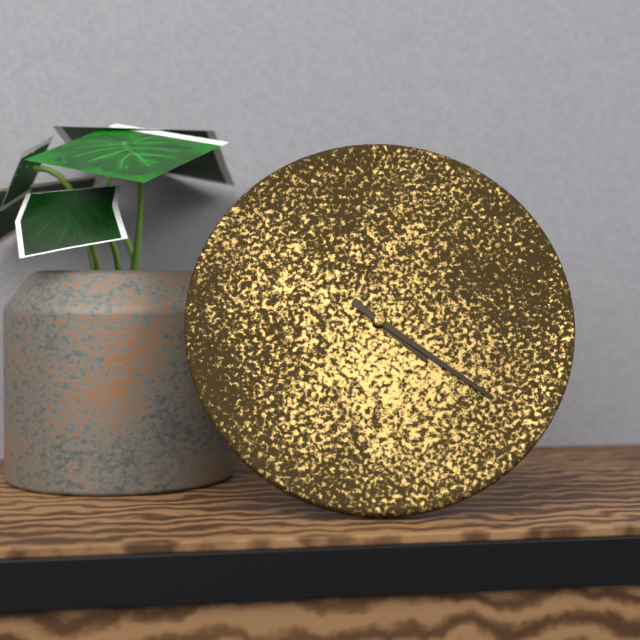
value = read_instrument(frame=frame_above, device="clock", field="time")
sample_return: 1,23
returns 4,21
